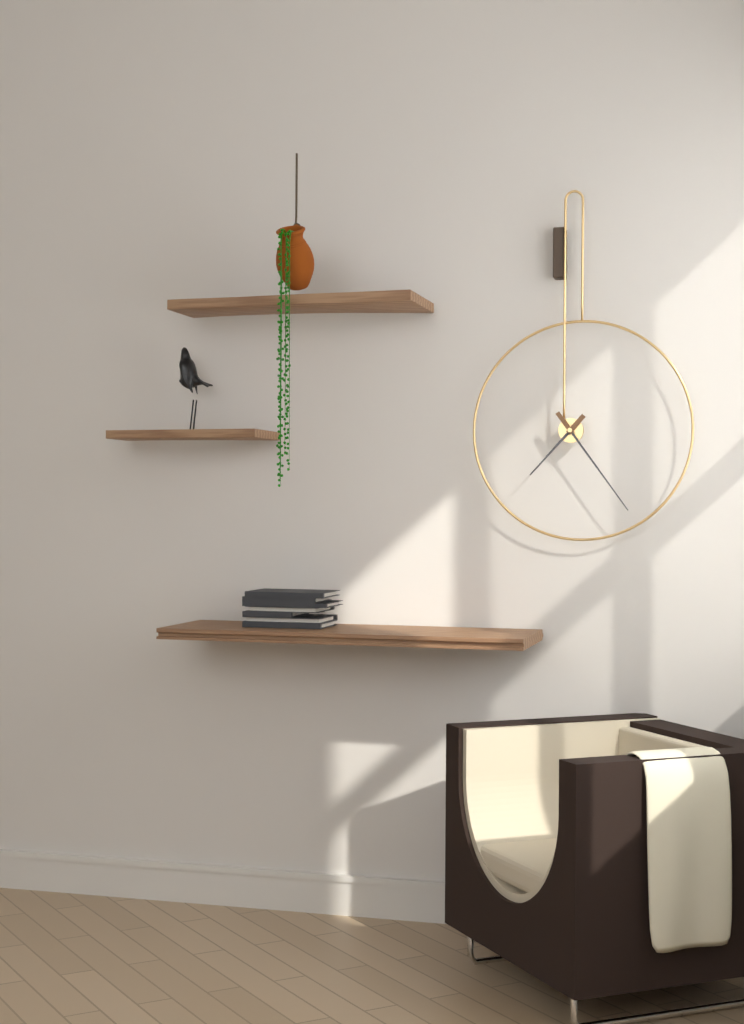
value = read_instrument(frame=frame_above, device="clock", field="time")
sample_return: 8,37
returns 7,24
